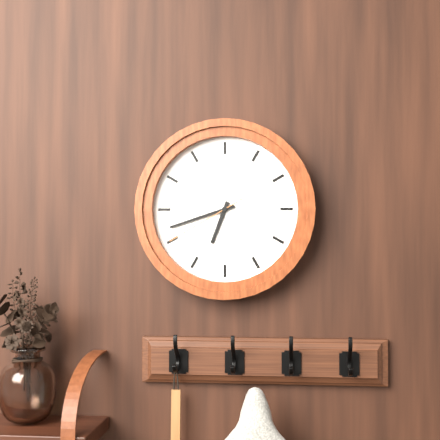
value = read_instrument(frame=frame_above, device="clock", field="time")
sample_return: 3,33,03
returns 6,42,40
